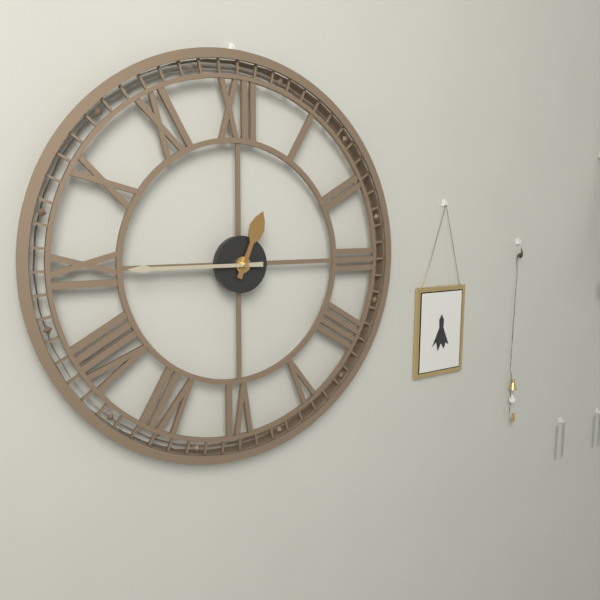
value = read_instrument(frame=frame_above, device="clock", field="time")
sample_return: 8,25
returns 12,45
